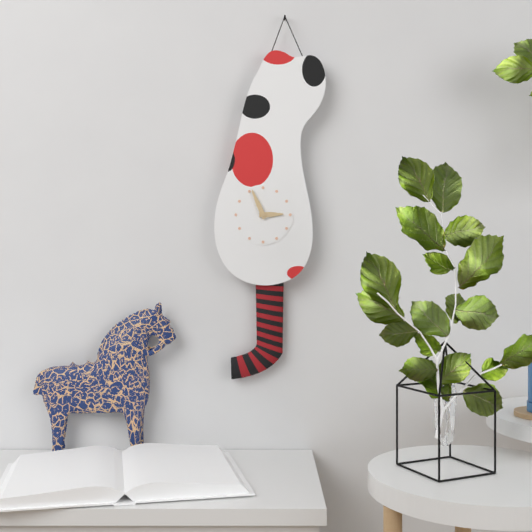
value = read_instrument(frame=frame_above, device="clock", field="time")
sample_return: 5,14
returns 2,56
